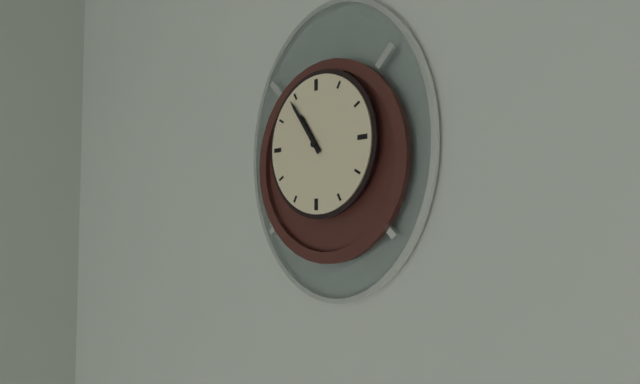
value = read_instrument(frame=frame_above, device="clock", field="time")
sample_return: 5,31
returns 10,54
